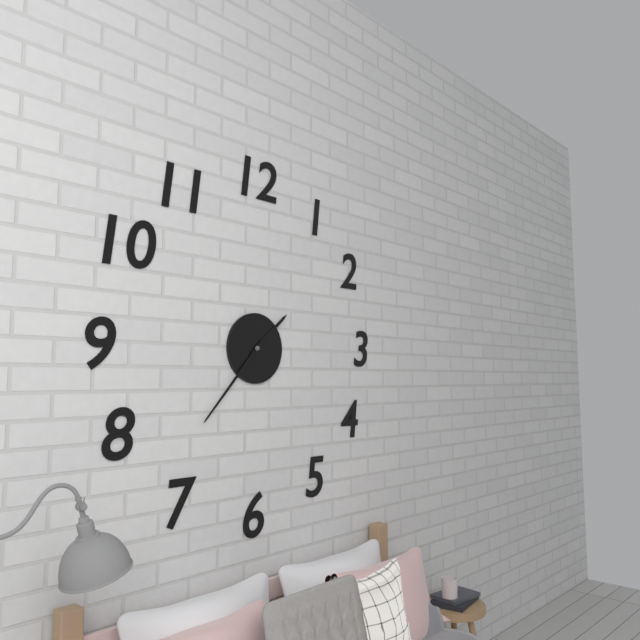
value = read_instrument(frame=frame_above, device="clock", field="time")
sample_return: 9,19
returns 1,37
